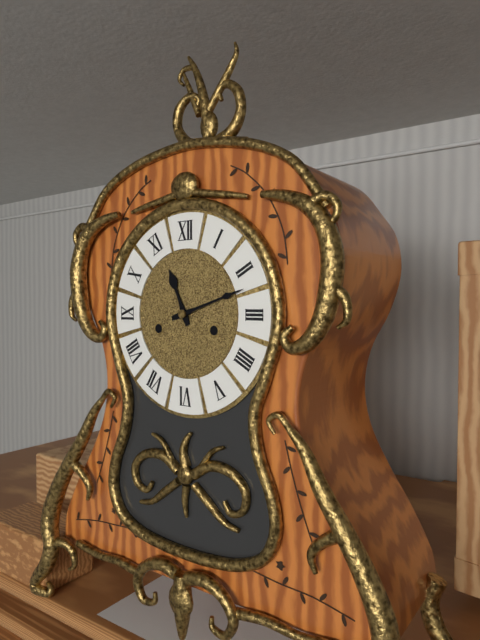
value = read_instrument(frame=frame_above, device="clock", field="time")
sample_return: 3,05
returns 11,12
